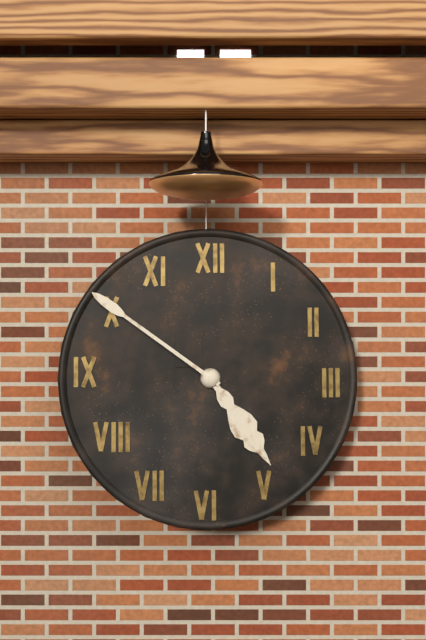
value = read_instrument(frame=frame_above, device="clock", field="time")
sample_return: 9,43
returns 4,51
